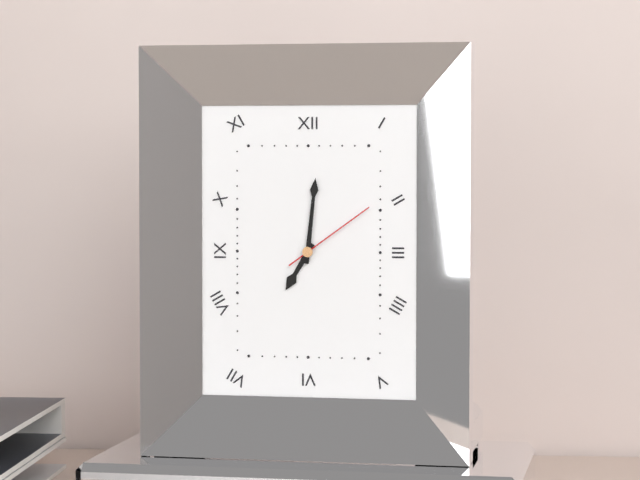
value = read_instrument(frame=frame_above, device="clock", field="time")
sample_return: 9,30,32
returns 7,01,09
